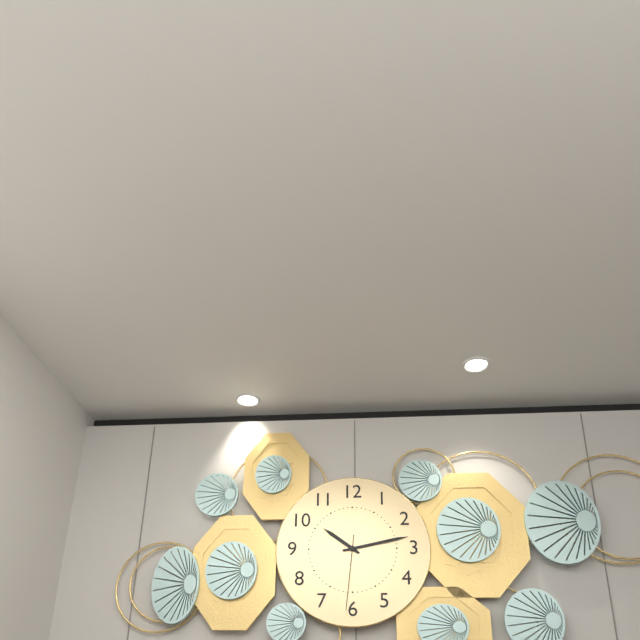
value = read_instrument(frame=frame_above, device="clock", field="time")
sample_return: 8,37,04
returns 10,13,31
